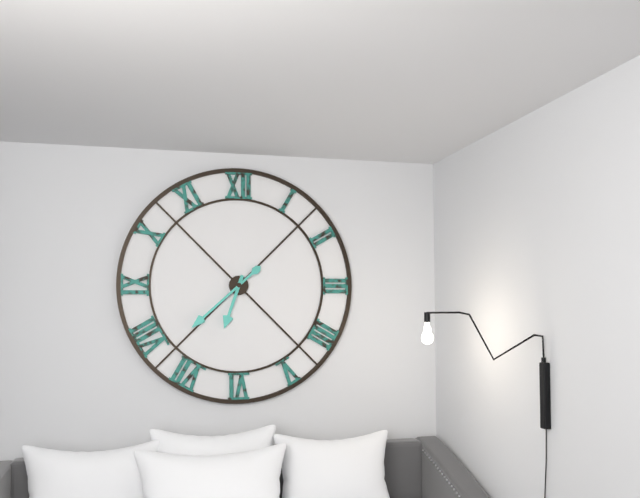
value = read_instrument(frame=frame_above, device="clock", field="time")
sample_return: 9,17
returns 6,38
